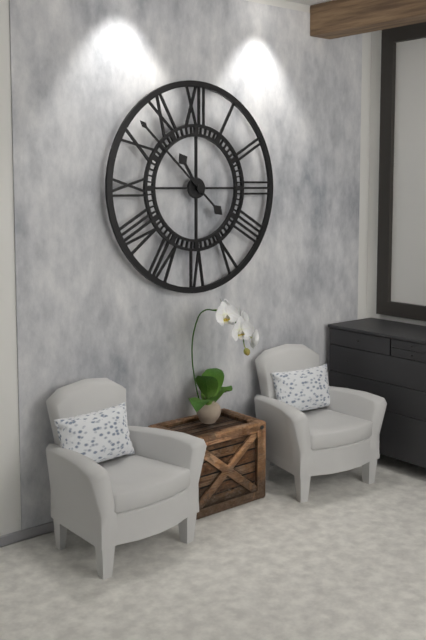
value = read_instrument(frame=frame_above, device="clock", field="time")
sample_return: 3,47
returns 10,52
